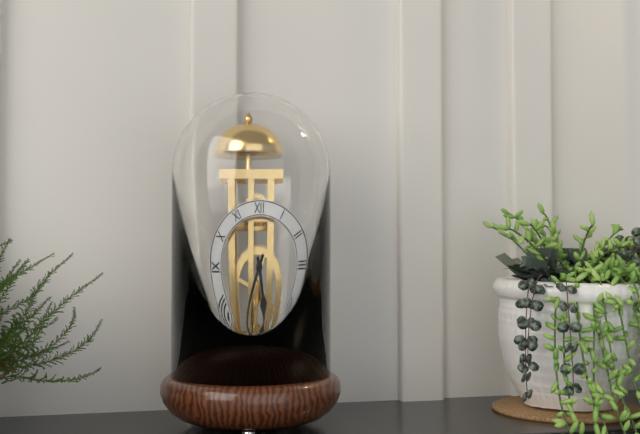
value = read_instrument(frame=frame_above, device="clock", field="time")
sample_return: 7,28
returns 5,34
